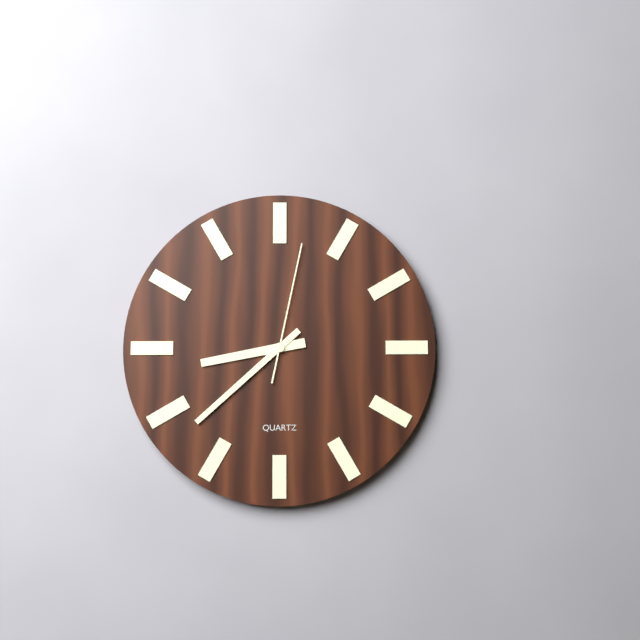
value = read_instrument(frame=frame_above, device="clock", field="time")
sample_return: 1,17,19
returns 8,38,02
